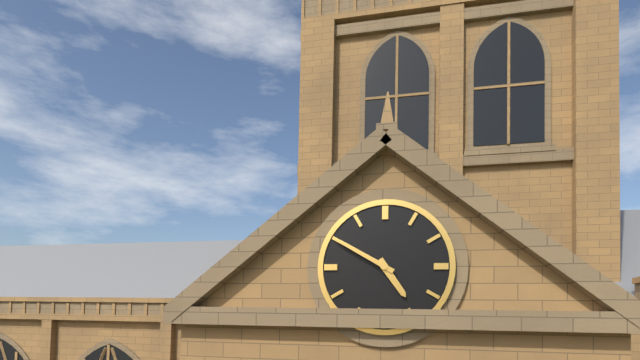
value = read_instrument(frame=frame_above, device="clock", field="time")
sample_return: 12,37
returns 4,50
